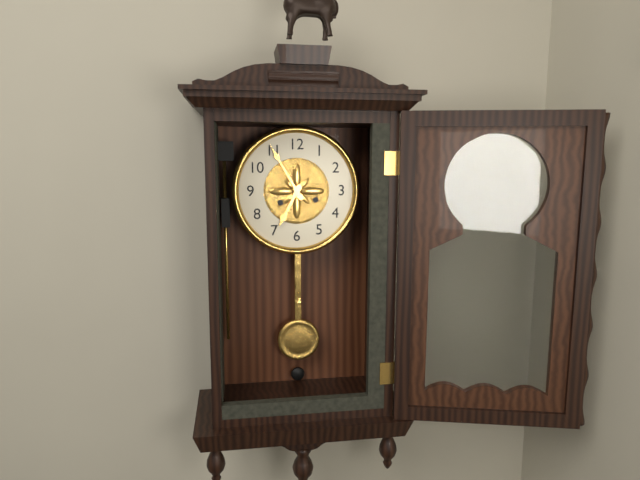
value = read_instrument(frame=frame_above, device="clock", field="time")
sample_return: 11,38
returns 6,55
